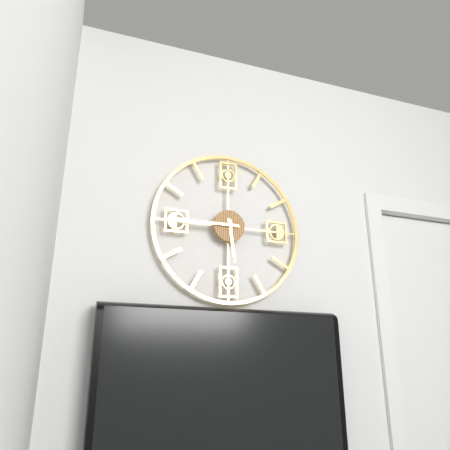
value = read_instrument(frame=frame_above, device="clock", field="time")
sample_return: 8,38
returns 5,45
